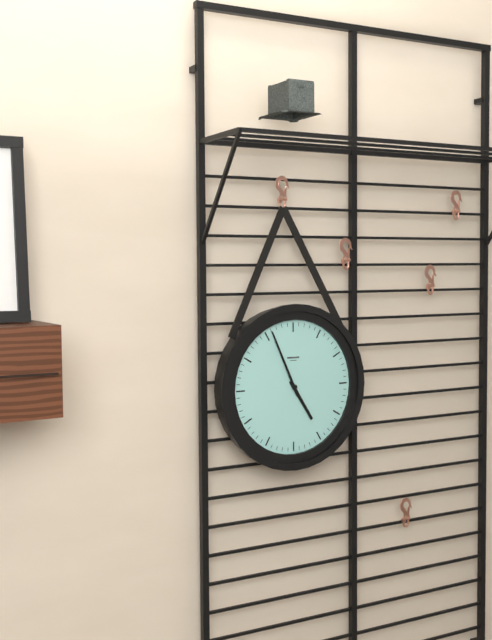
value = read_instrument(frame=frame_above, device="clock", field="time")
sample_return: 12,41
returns 4,56
